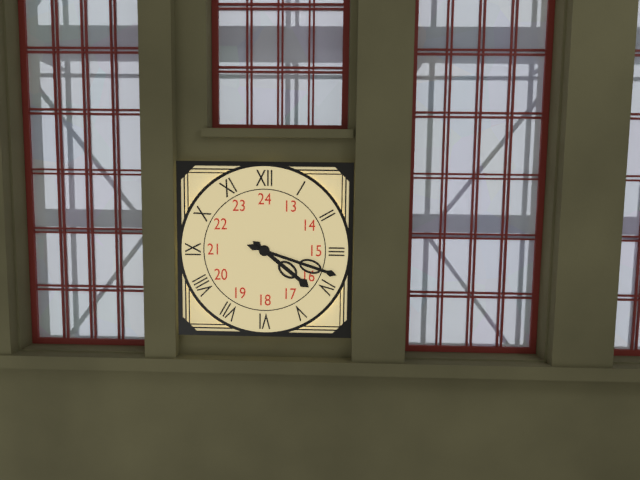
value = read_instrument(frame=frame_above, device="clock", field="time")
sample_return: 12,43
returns 4,18
